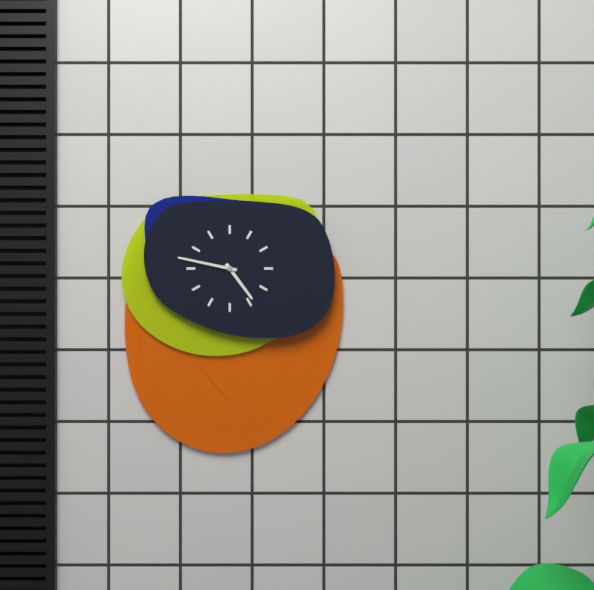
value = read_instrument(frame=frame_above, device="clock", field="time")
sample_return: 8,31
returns 4,47
